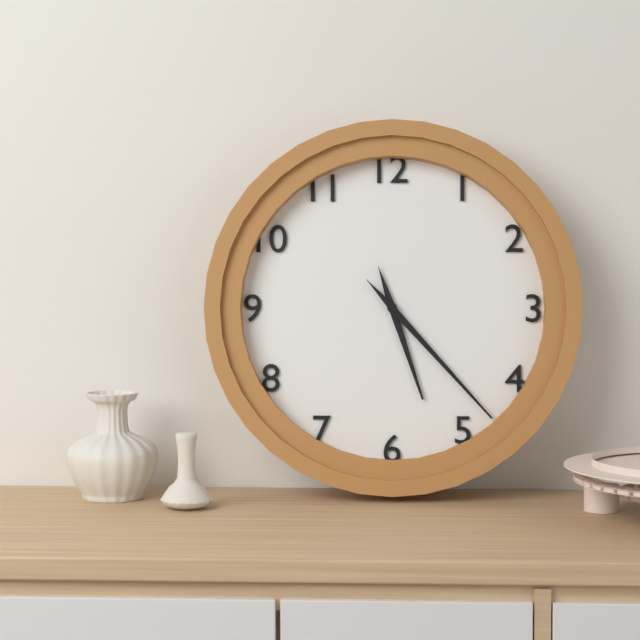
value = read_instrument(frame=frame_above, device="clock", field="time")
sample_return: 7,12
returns 5,23
